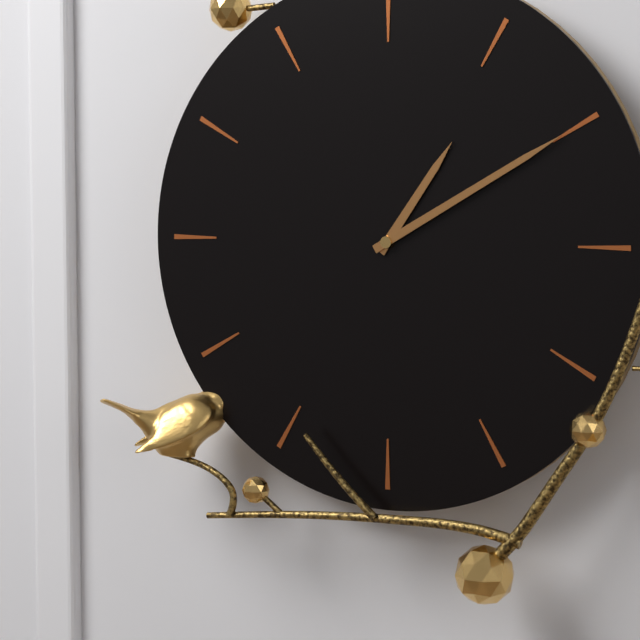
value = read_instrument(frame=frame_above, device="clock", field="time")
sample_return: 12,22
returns 1,10
